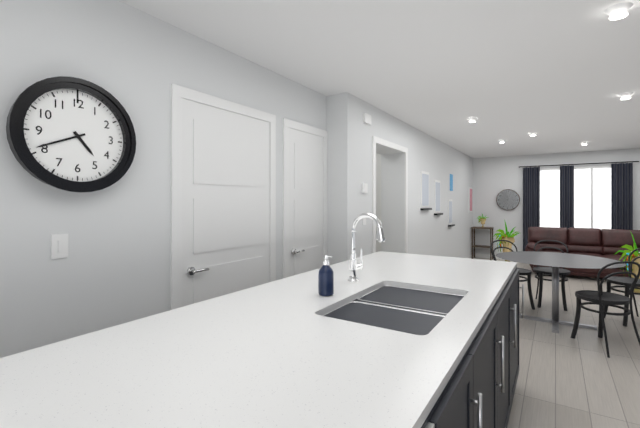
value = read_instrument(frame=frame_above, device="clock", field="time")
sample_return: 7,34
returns 4,41
